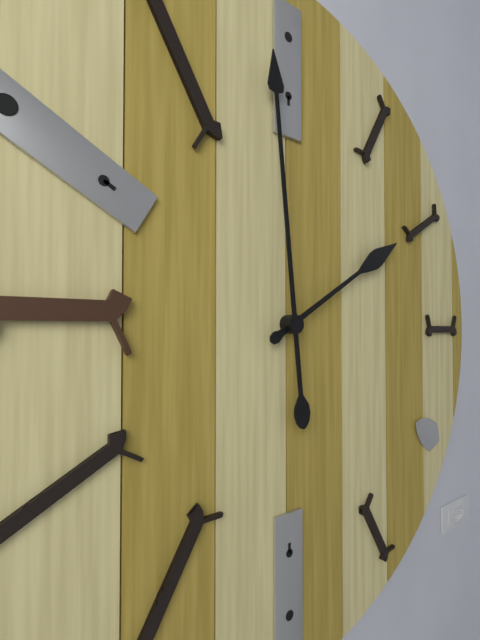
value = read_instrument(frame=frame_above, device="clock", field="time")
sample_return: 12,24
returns 1,59
